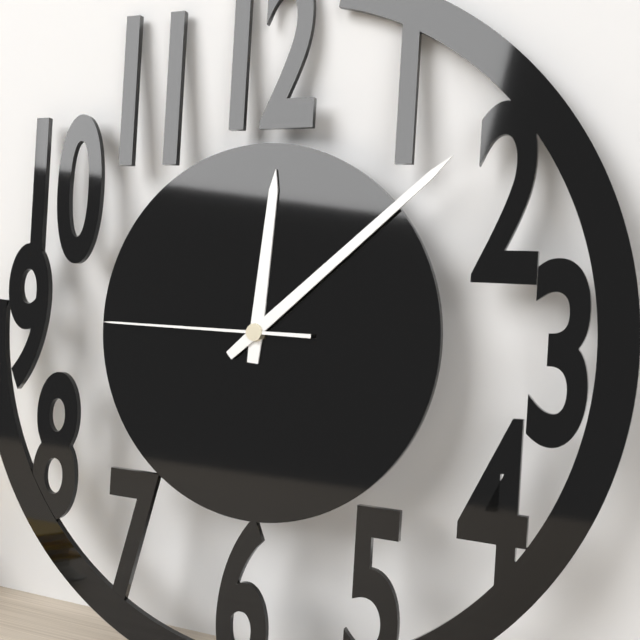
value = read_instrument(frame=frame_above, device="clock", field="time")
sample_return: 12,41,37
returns 12,08,45
